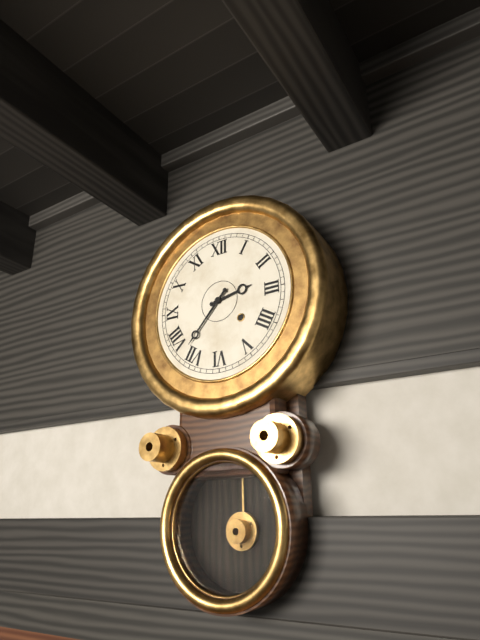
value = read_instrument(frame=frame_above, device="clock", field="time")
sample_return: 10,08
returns 2,37
